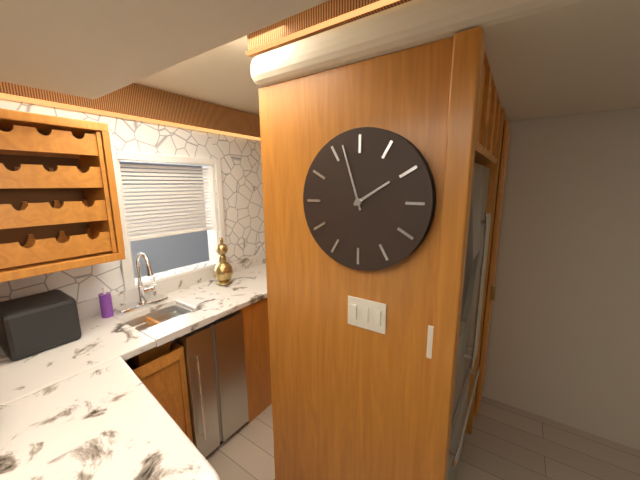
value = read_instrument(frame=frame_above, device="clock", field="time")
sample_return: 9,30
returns 1,57
